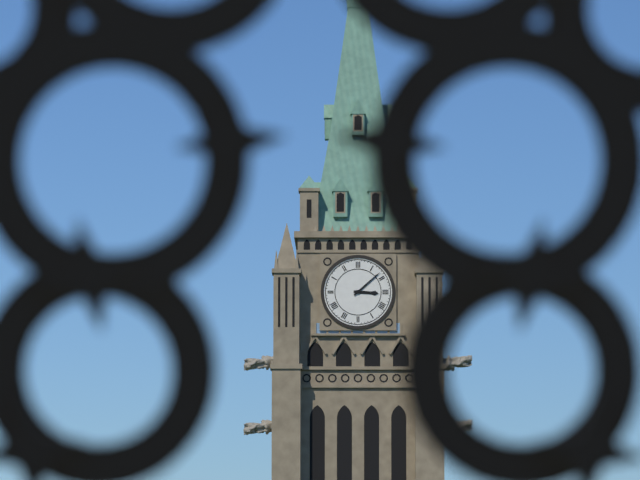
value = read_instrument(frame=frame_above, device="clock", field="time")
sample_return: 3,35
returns 3,08
